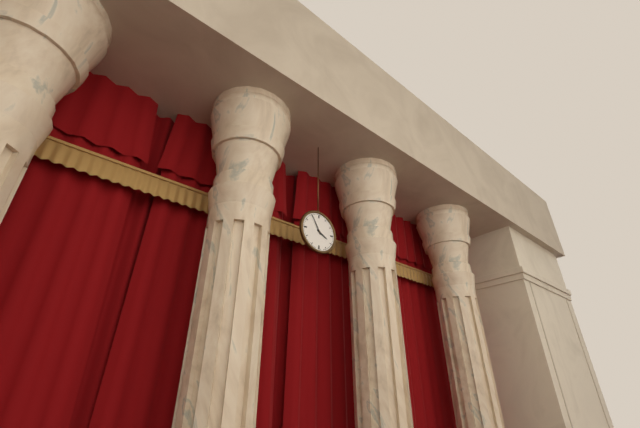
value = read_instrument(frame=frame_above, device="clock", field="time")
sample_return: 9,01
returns 3,55
